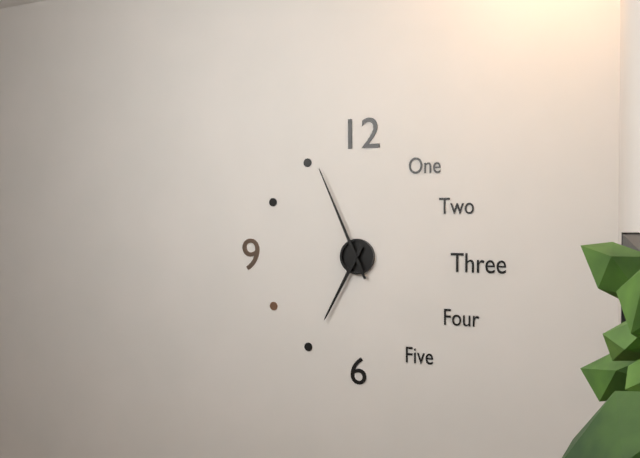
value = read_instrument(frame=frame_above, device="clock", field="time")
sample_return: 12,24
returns 6,56
